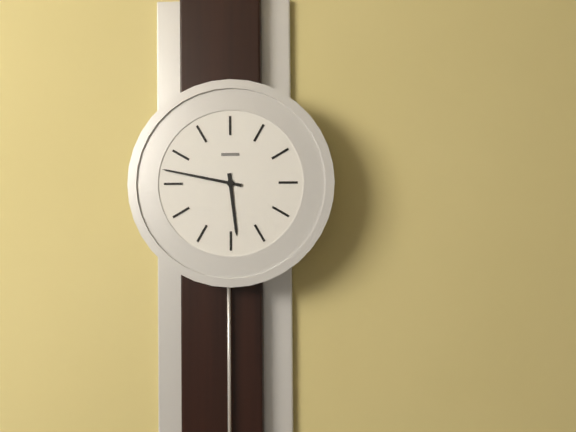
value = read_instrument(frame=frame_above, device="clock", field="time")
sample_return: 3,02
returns 5,47
